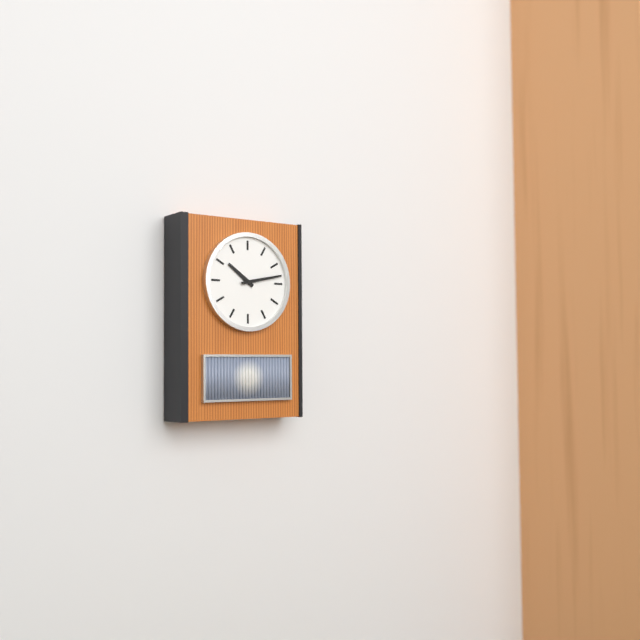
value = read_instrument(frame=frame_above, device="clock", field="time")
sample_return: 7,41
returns 10,13
